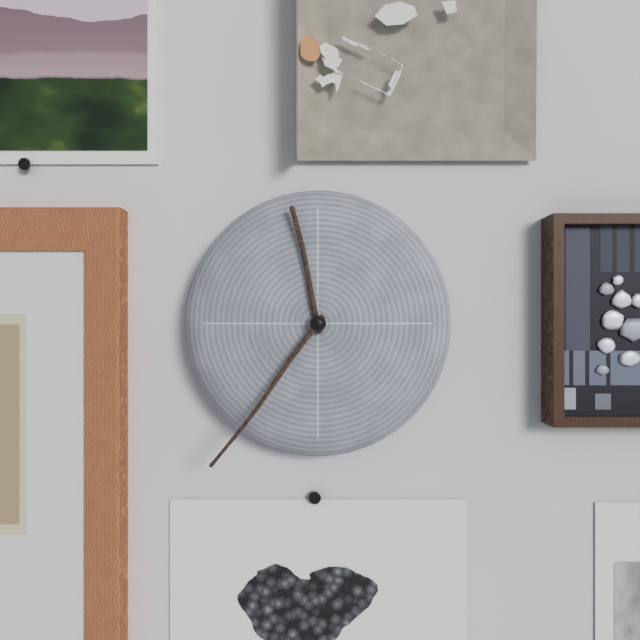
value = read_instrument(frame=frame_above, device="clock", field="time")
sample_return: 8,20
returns 11,36
